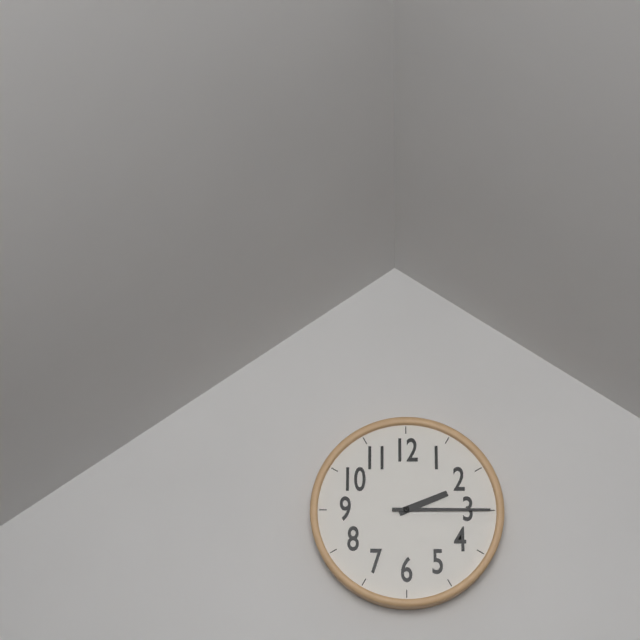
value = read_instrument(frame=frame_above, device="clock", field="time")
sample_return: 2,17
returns 2,15
